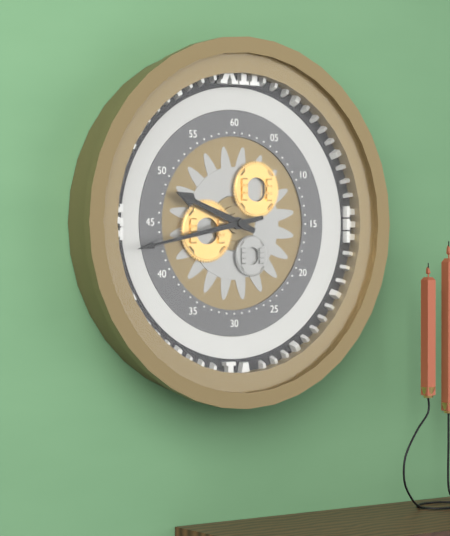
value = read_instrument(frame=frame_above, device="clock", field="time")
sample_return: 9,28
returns 9,43
